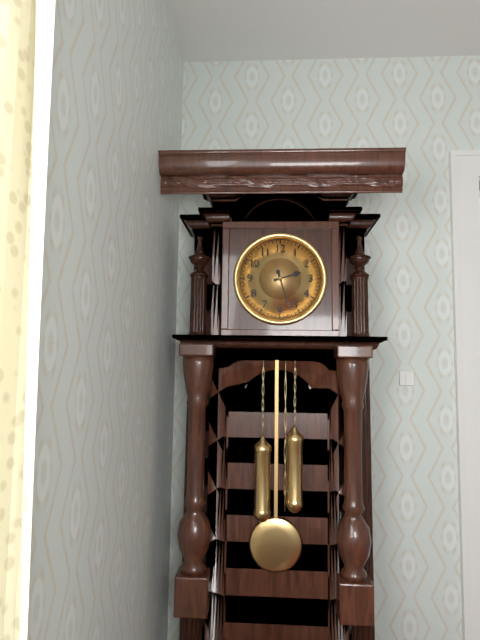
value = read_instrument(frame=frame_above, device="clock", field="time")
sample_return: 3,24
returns 2,27
